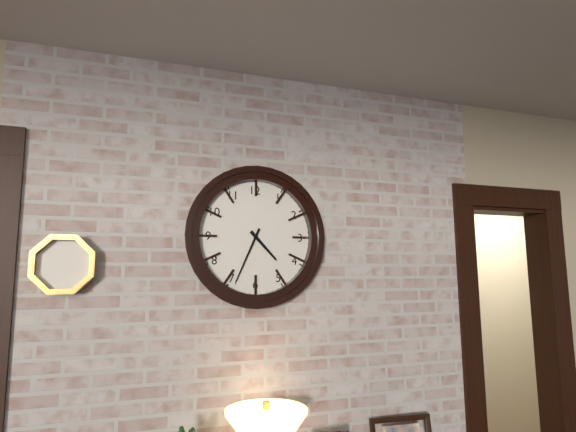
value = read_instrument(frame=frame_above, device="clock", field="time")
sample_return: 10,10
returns 4,34
